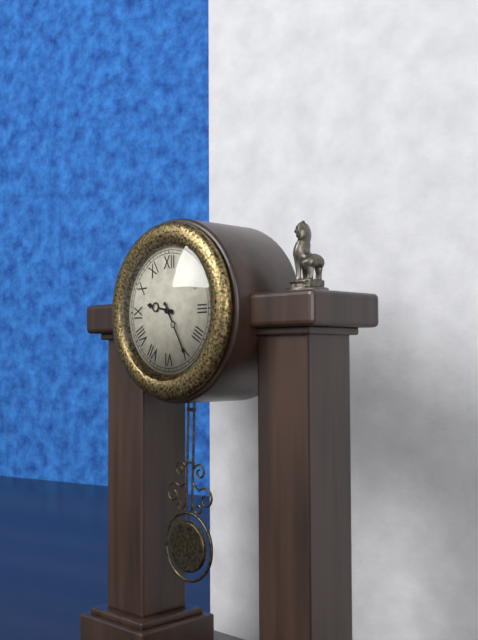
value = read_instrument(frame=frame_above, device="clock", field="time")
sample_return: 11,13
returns 9,25
